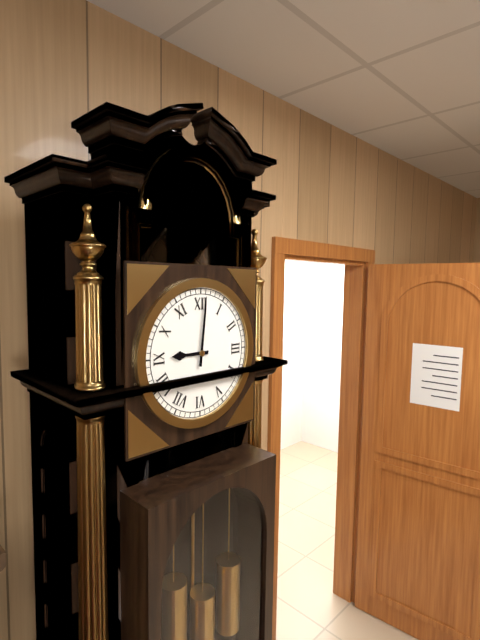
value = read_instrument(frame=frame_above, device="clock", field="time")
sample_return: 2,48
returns 9,01
